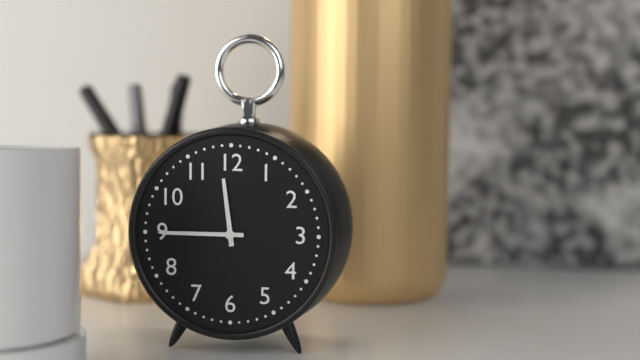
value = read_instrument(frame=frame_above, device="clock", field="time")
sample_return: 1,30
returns 11,45
